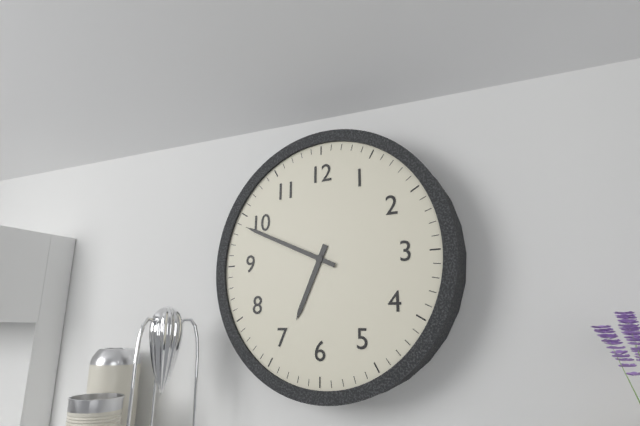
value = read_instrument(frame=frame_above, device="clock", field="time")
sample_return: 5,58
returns 6,49
